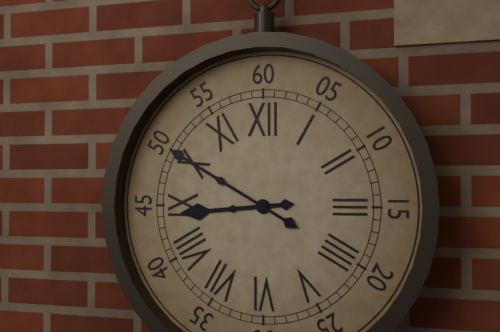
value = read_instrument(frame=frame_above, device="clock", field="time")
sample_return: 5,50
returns 8,50
